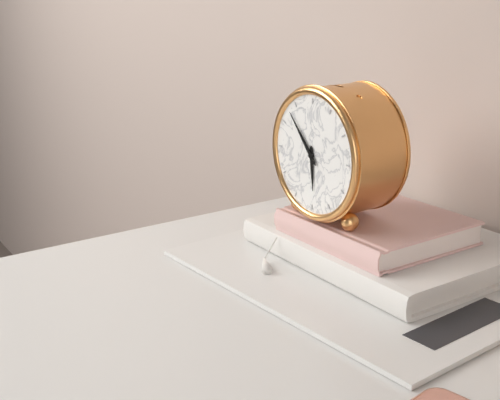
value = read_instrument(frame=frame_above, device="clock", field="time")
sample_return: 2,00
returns 5,53
